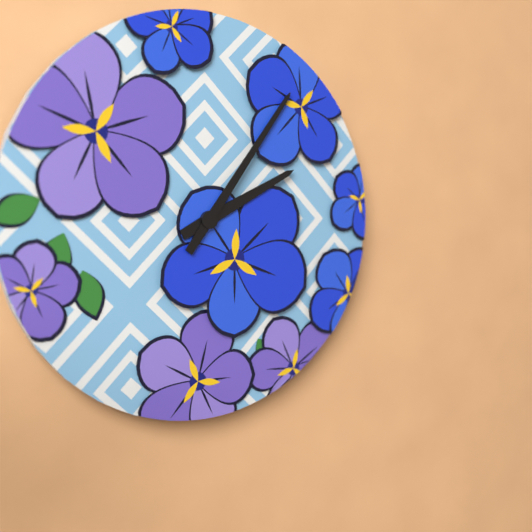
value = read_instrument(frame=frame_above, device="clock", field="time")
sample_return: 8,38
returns 2,06
